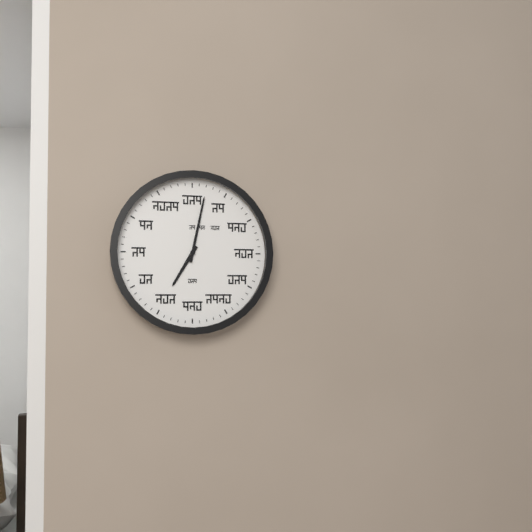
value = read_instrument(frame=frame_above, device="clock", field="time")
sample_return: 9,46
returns 7,02
